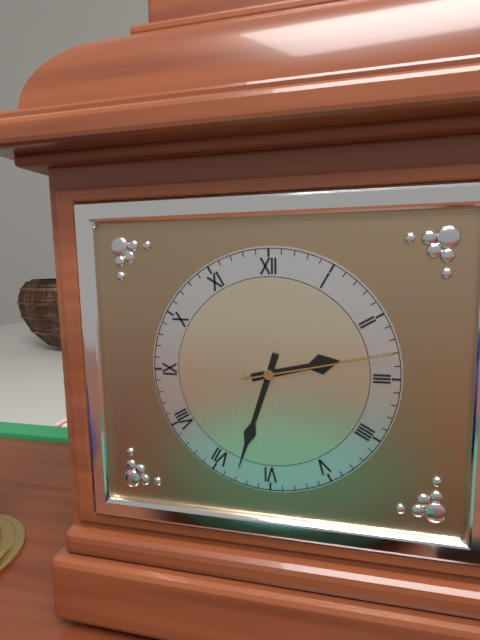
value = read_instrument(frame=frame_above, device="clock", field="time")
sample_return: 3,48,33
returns 2,33,13
